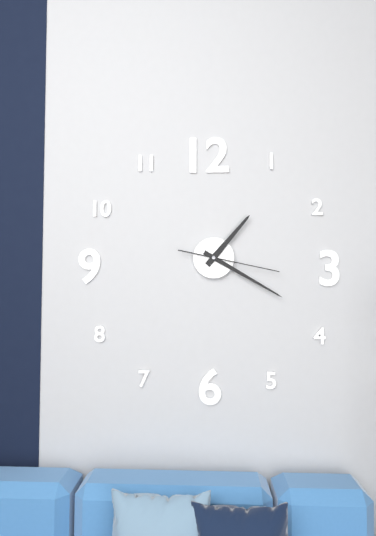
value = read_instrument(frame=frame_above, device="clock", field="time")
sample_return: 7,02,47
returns 1,20,17
